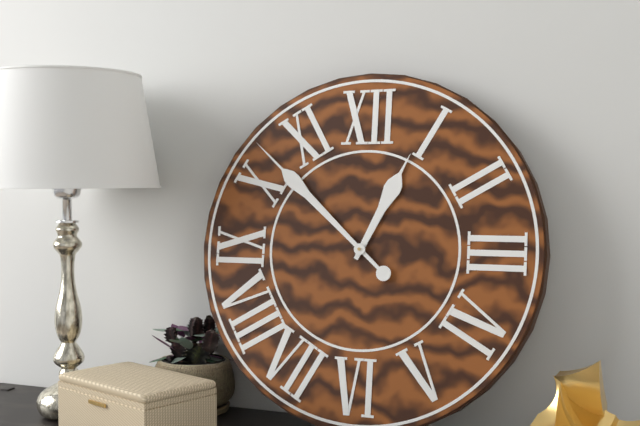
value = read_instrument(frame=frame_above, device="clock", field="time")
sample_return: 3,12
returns 12,52
